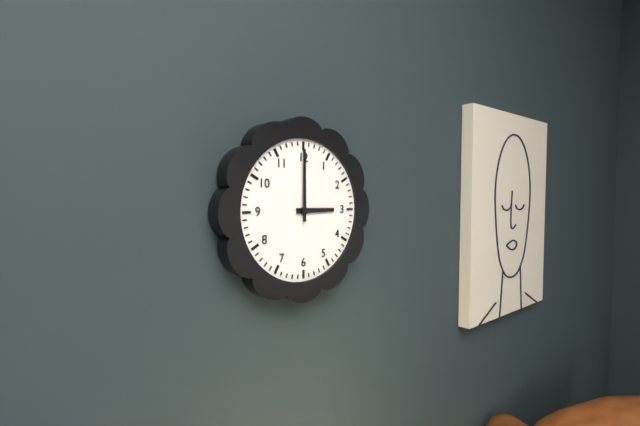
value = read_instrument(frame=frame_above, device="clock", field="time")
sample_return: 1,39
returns 3,00
